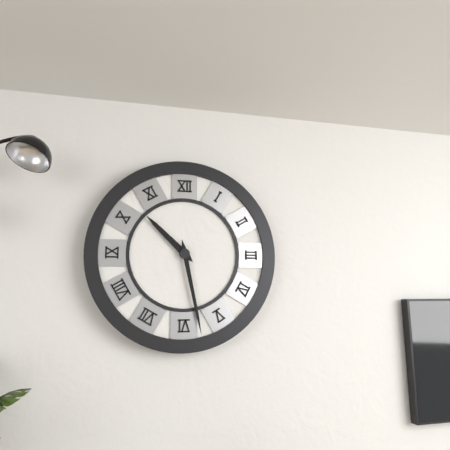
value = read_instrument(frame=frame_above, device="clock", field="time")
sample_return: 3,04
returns 10,28
